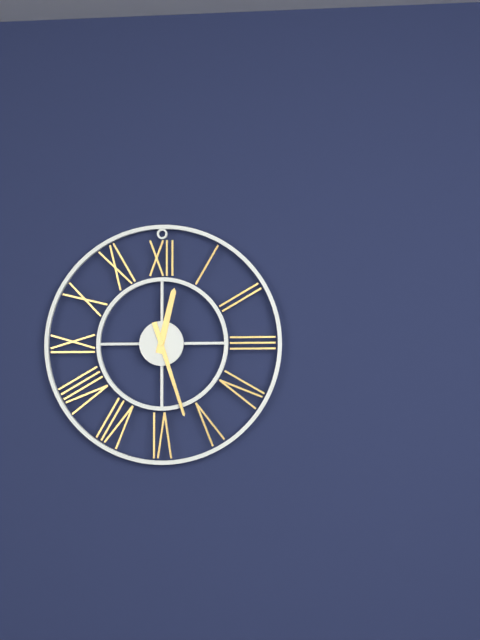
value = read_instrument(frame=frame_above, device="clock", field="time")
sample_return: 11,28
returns 12,27
